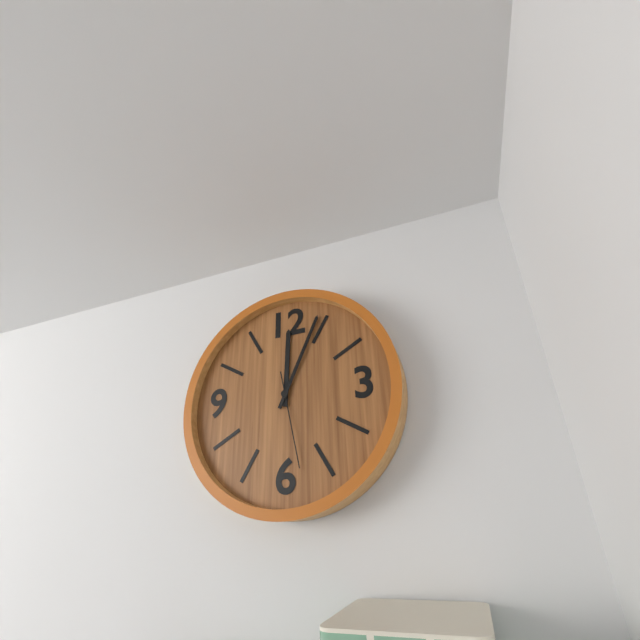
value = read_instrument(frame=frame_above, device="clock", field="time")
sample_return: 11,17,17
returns 12,04,28
